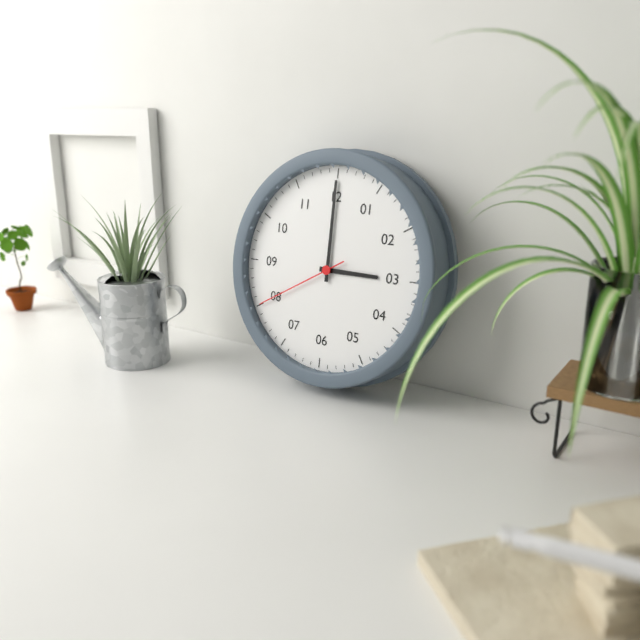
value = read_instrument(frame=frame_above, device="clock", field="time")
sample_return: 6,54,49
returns 3,00,40
